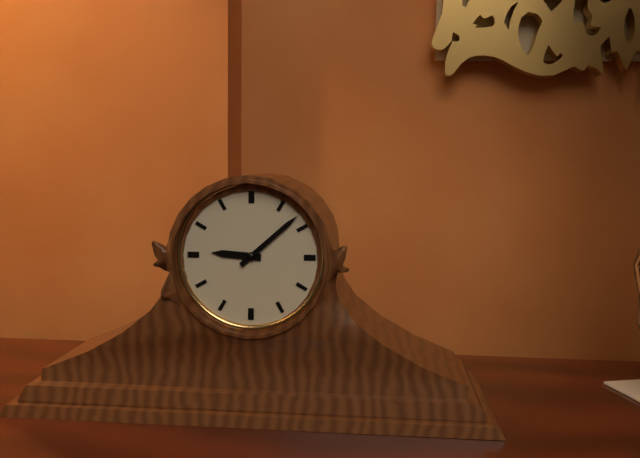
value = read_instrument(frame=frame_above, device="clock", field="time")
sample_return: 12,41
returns 9,08
